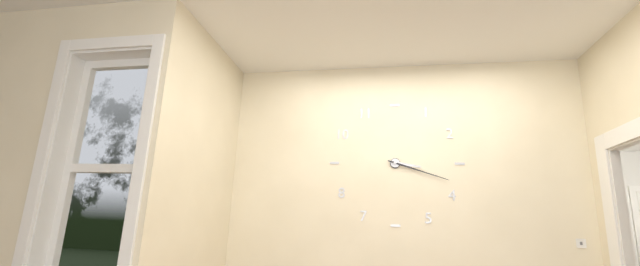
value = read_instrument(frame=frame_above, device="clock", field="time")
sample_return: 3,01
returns 3,18
